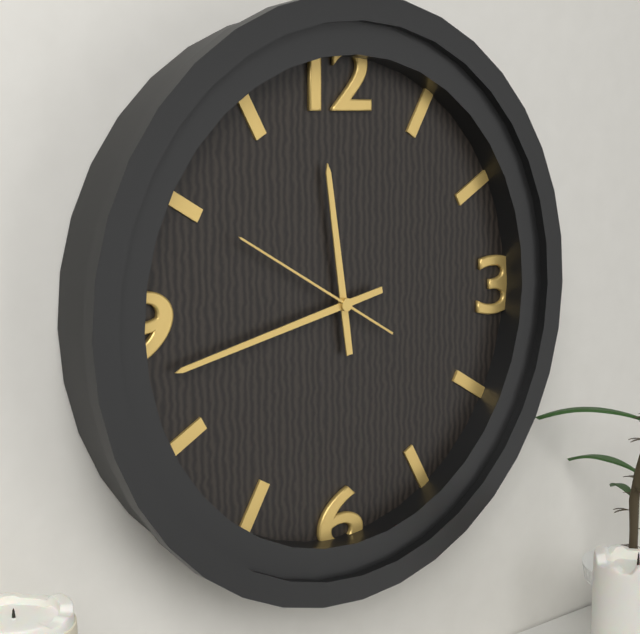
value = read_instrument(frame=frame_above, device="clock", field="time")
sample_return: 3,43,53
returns 11,43,50
